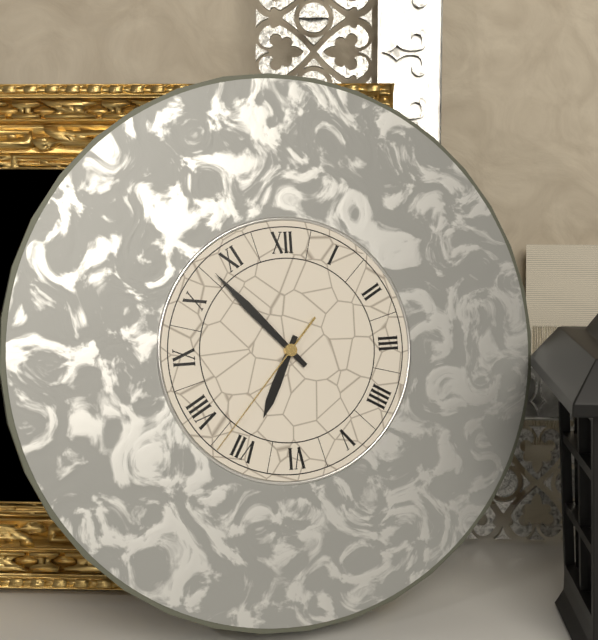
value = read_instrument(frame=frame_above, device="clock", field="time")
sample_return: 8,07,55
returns 6,53,37
